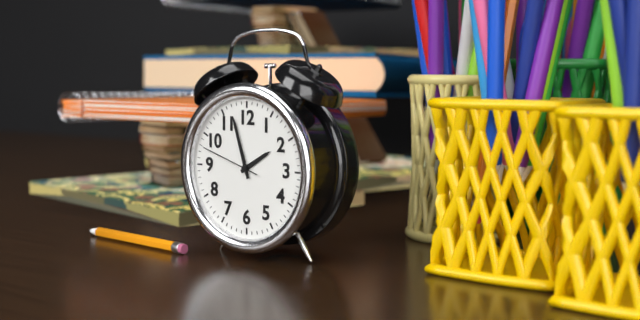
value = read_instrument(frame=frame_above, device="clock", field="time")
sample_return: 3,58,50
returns 1,57,48
